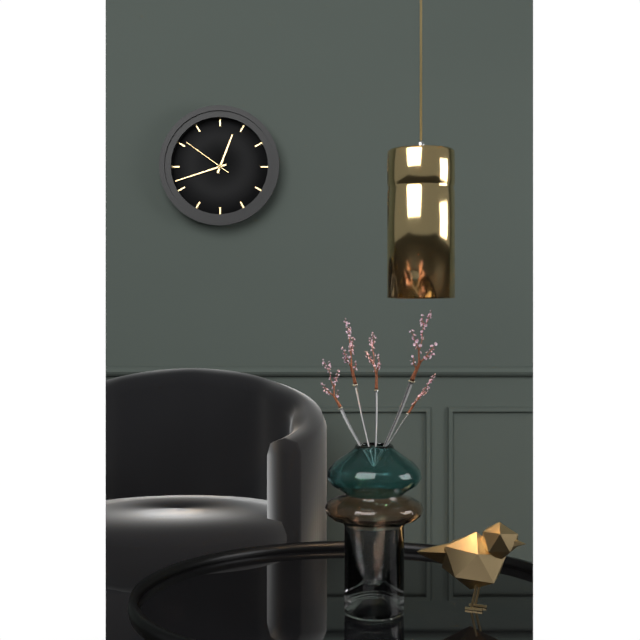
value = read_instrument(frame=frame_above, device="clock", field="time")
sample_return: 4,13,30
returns 12,42,51
